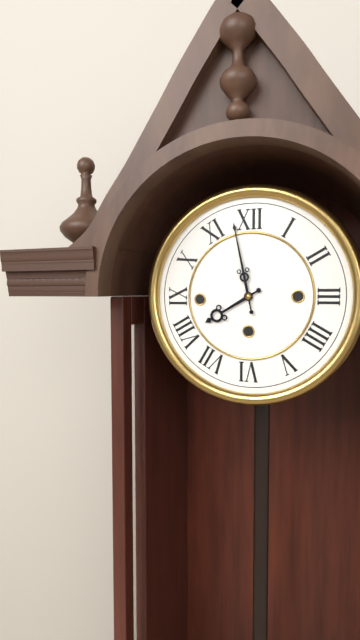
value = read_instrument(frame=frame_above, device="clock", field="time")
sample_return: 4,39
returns 7,58
